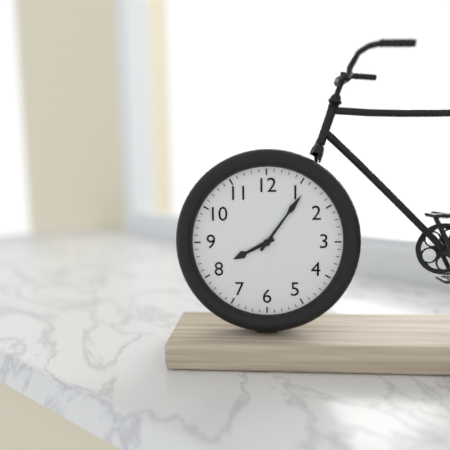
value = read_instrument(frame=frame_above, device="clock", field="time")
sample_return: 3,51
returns 8,06
